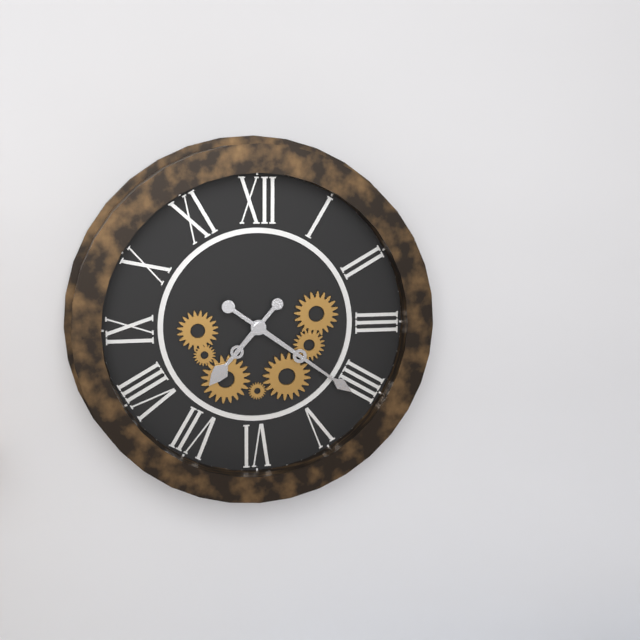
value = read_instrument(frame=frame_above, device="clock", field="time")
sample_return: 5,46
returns 7,21
